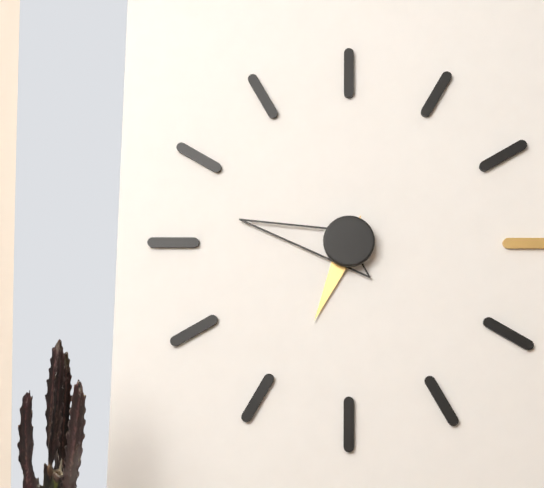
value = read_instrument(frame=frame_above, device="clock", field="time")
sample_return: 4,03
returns 6,47
